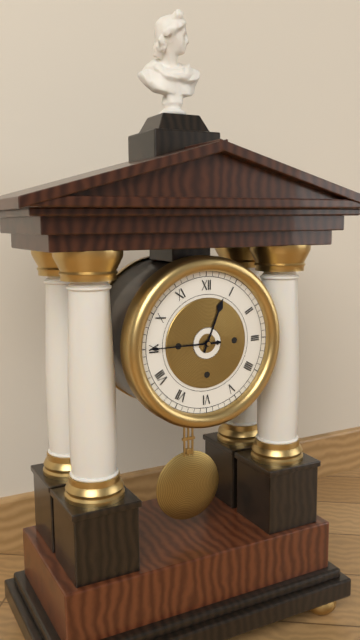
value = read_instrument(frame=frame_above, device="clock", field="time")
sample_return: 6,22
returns 12,45
